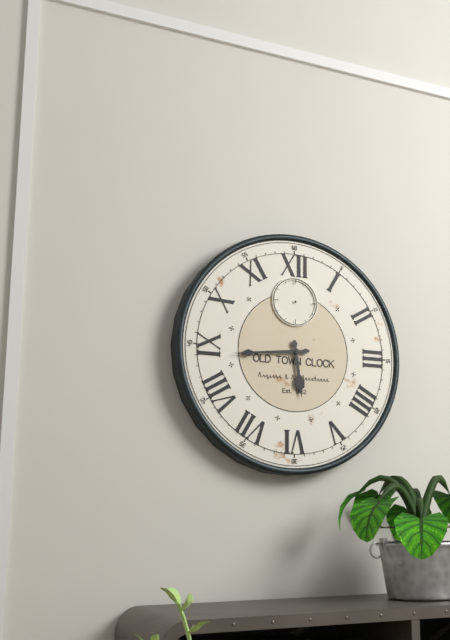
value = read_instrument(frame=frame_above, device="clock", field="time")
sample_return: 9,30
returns 5,44
